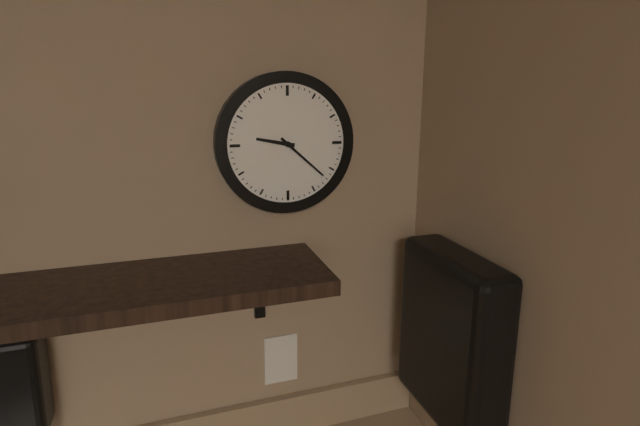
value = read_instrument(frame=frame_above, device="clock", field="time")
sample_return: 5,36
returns 9,22
